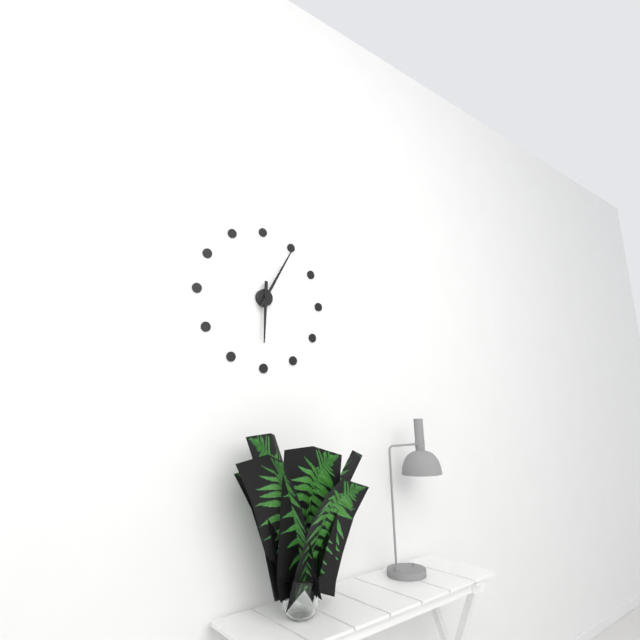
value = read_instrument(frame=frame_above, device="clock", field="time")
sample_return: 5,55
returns 6,05
